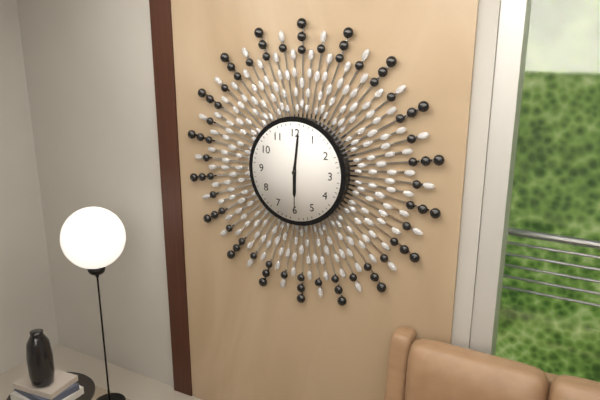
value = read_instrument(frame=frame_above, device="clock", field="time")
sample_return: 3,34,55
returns 6,01,30
